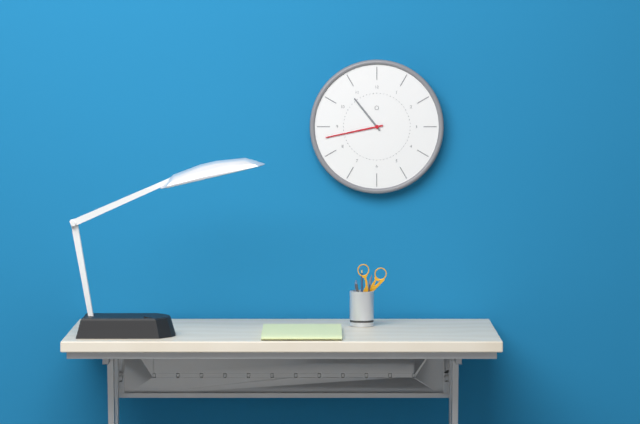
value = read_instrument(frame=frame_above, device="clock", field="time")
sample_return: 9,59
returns 10,43
